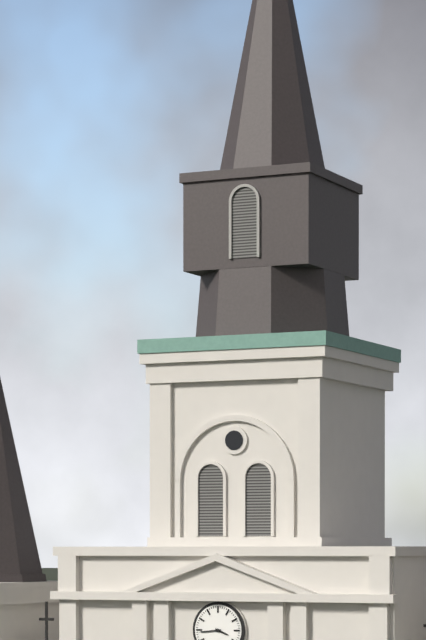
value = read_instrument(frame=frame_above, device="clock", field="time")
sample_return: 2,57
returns 3,44
